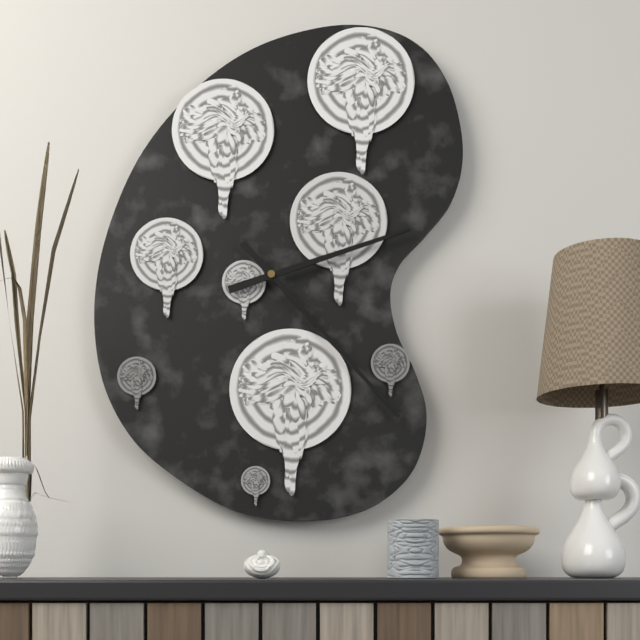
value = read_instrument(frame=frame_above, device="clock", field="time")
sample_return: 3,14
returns 2,23
